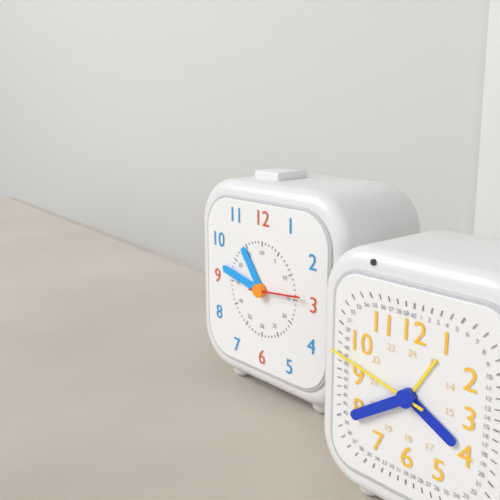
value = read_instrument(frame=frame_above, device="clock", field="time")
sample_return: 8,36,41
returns 10,47,14
